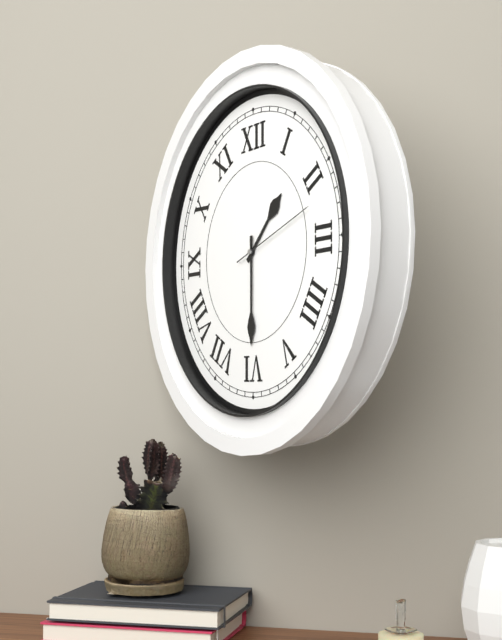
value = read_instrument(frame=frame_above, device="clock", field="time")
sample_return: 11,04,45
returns 1,30,12
